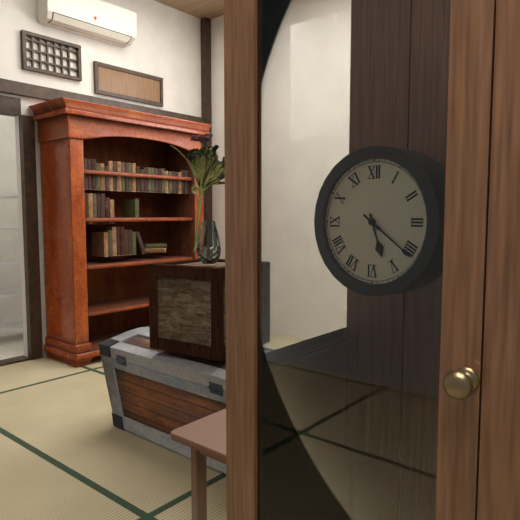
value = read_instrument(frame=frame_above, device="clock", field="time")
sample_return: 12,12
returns 5,21
